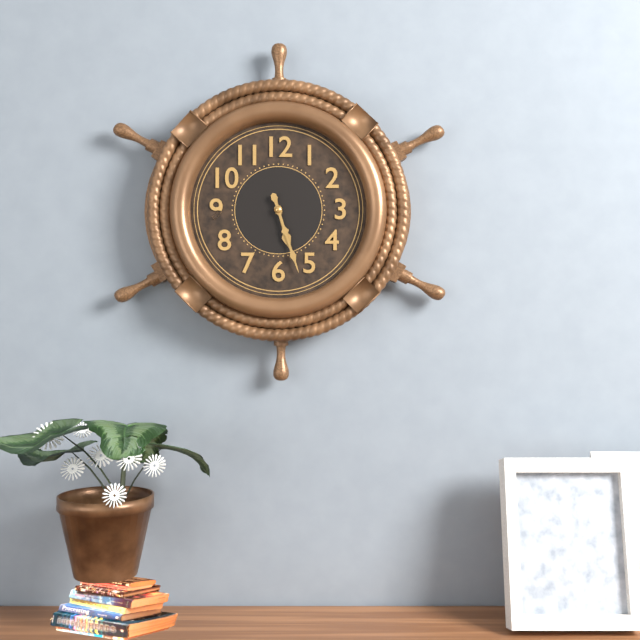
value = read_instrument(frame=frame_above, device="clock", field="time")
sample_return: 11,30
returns 5,27
